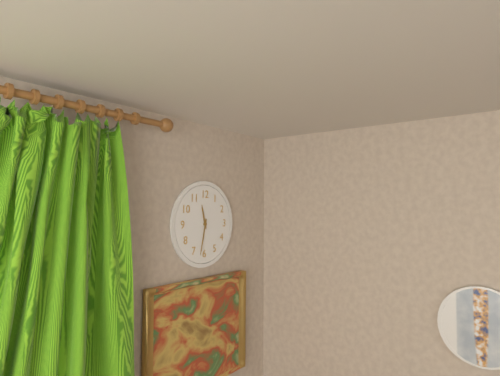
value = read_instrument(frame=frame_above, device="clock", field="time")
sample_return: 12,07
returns 11,32
